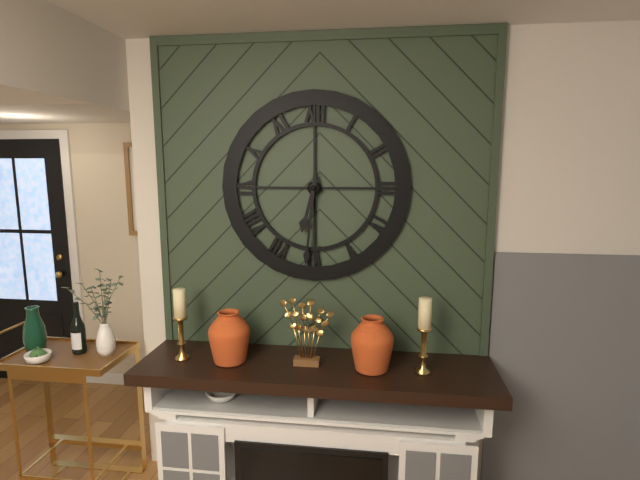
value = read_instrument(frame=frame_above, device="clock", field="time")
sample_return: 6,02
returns 6,31
